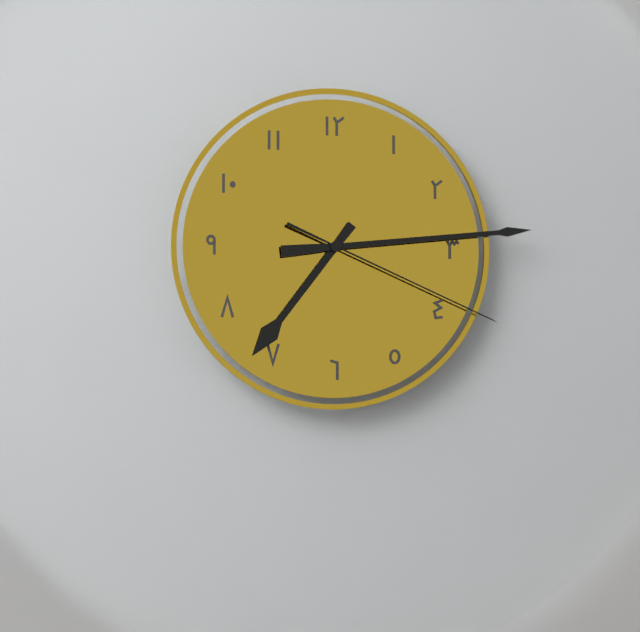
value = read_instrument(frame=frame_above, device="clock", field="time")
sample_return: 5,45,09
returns 7,14,19
